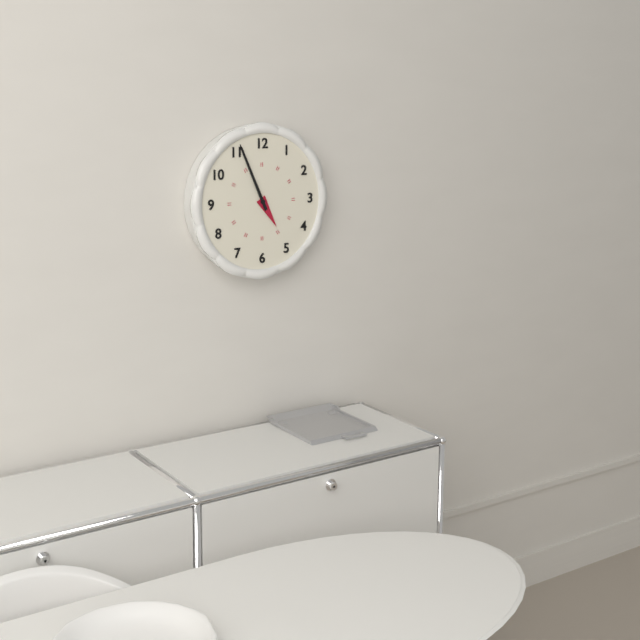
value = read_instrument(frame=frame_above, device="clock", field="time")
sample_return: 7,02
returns 4,56
